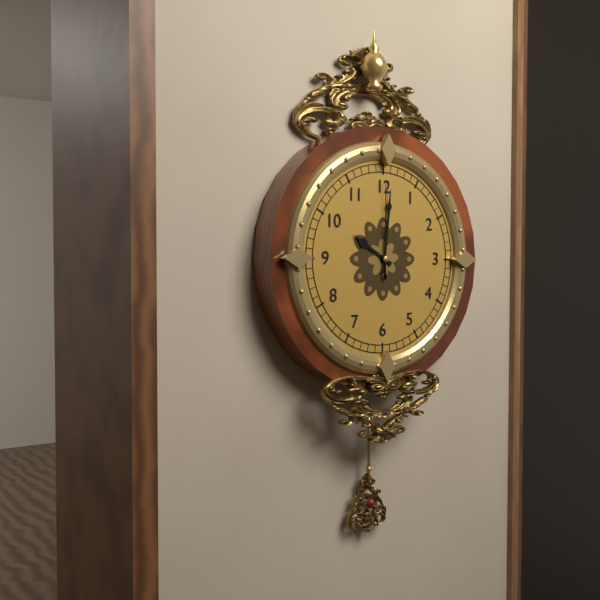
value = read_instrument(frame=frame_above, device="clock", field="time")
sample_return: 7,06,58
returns 10,01,00
